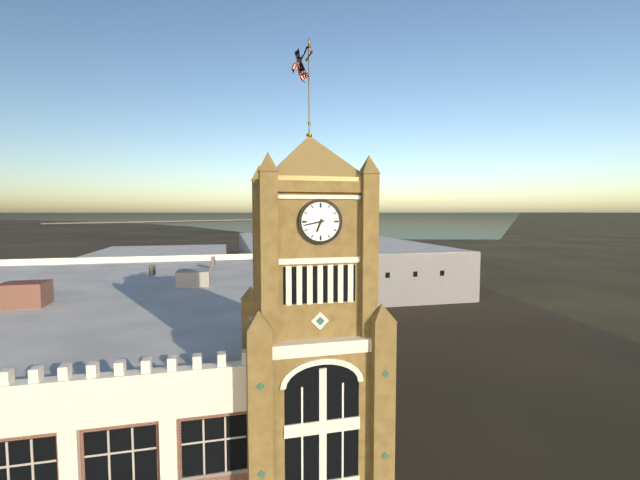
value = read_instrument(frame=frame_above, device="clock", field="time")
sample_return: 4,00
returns 6,43
